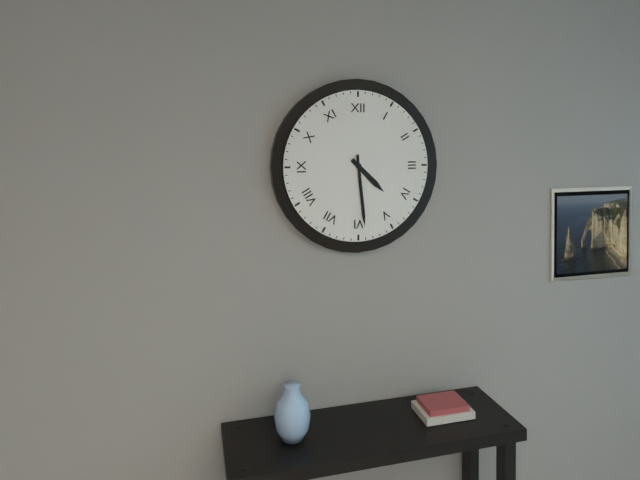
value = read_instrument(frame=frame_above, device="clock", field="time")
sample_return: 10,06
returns 4,29
